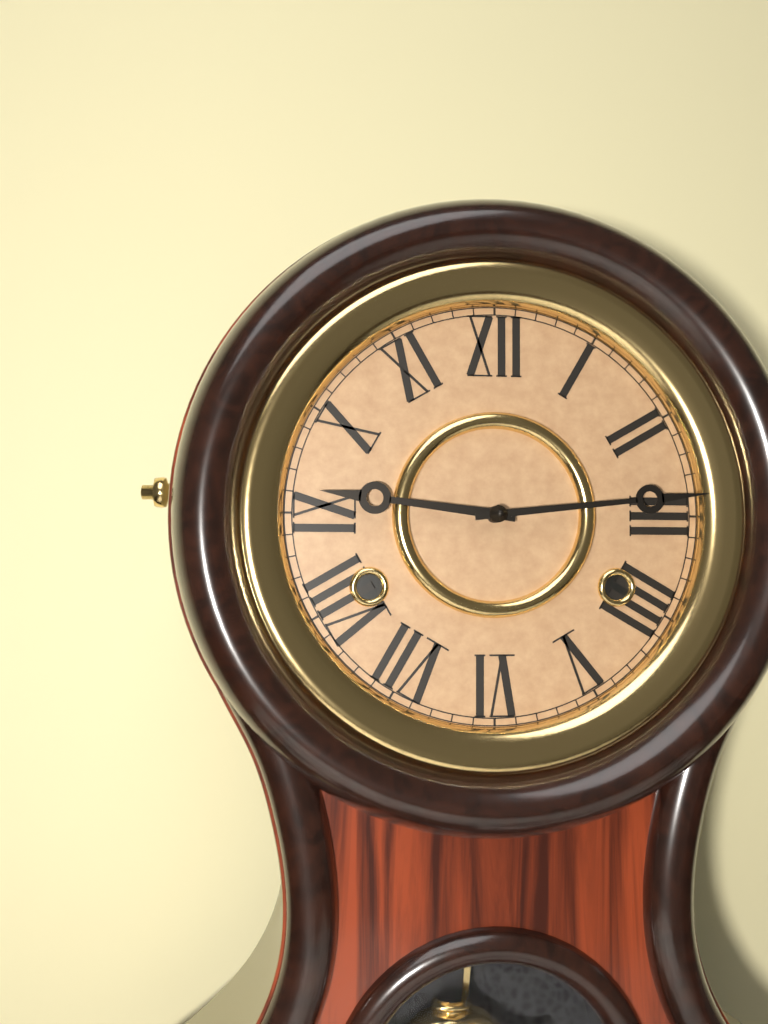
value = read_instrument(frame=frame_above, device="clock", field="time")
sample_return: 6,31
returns 9,14
